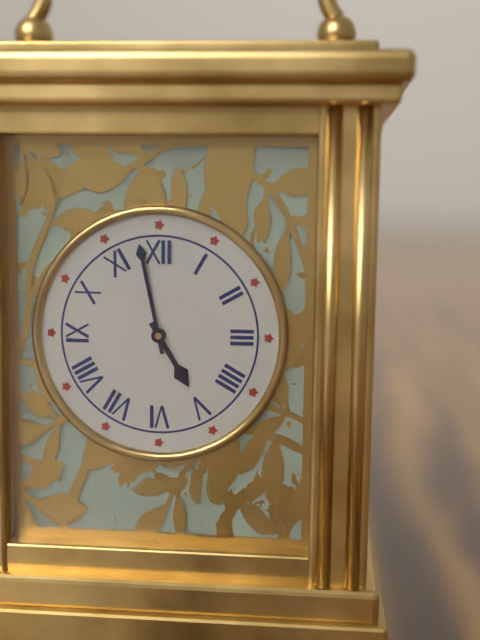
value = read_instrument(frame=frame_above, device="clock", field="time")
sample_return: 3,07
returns 4,58
